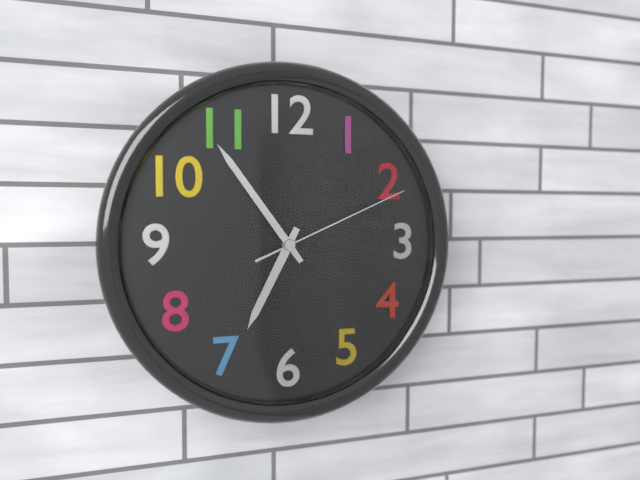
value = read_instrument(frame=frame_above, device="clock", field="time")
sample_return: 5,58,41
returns 6,54,11
